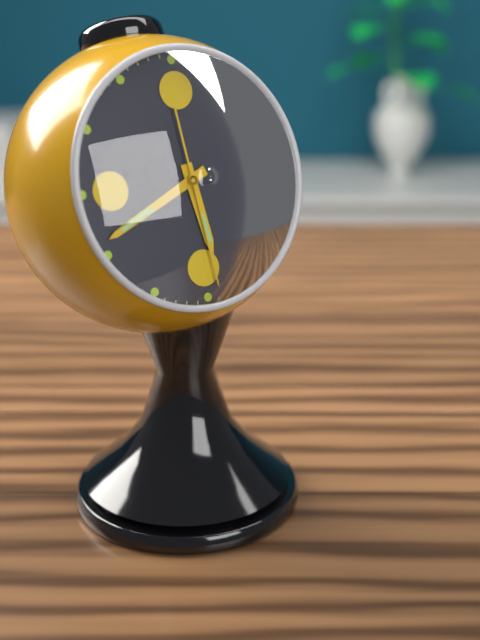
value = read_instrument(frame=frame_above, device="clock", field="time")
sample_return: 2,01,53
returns 5,41,29
